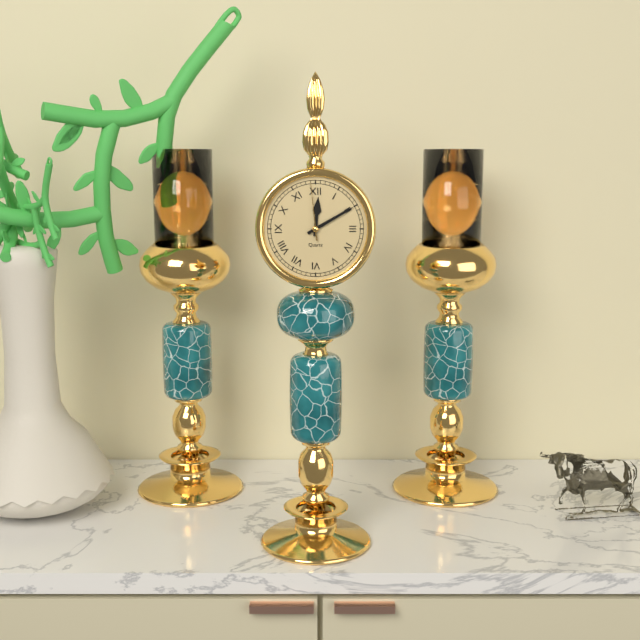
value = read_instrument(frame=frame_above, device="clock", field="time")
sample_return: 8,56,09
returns 12,10,59
